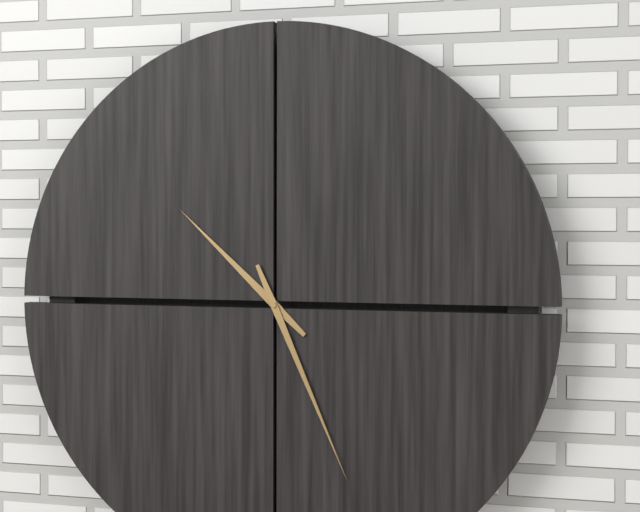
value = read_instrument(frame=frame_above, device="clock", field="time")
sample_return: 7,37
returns 10,26
